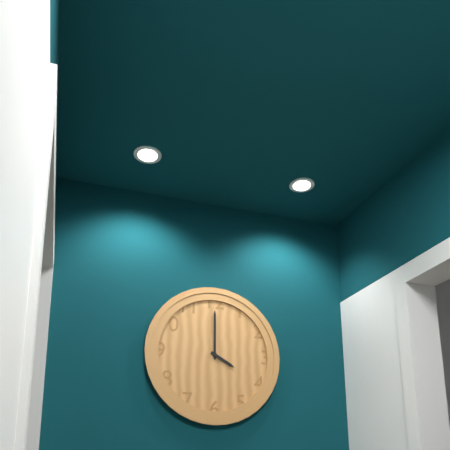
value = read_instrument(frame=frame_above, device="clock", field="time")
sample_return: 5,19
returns 4,00
